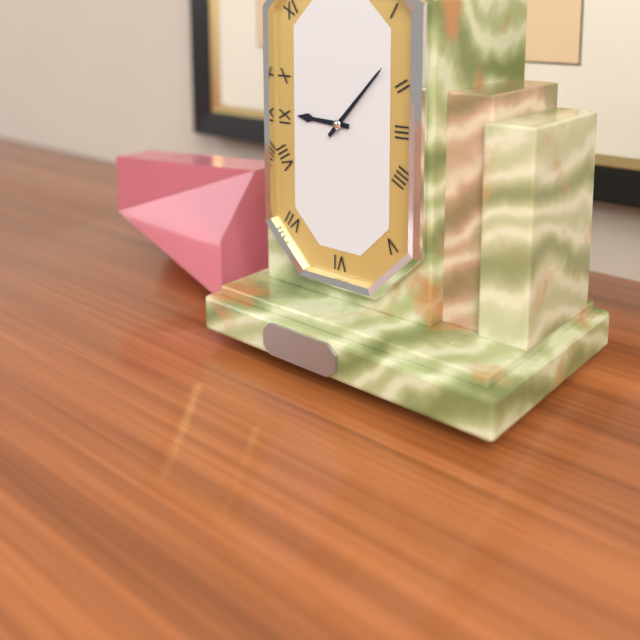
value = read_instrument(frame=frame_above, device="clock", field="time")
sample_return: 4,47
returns 9,07
